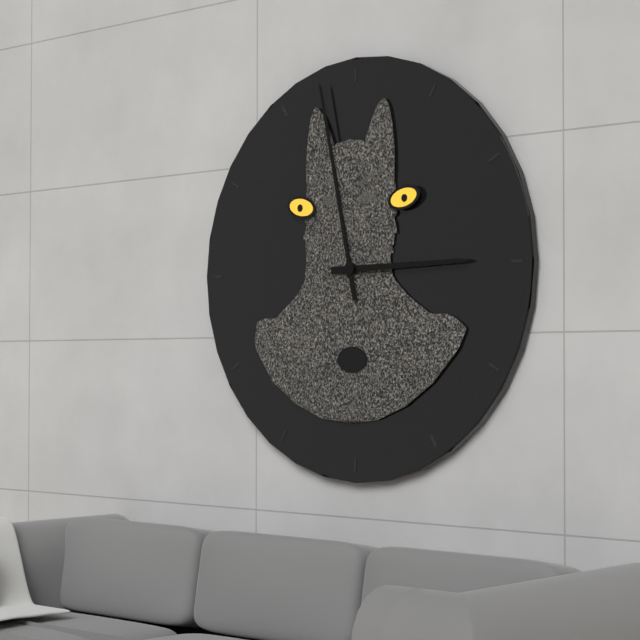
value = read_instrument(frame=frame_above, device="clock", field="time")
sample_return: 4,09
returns 2,58
